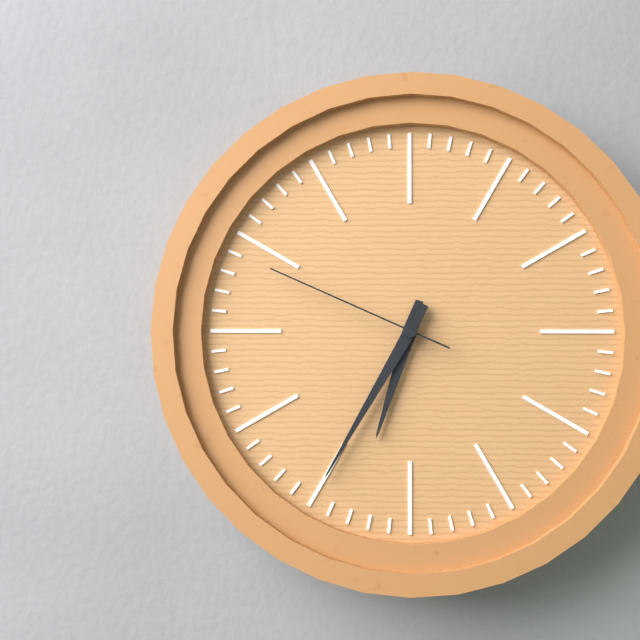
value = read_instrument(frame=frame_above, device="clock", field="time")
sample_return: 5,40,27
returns 6,35,49
